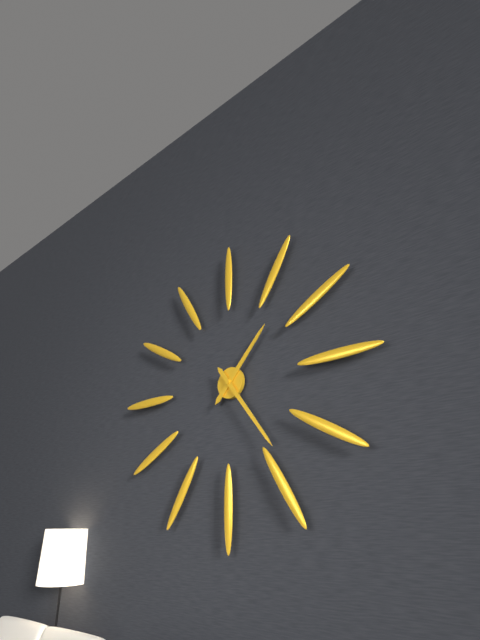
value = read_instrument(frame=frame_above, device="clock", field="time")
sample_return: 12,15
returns 1,24
